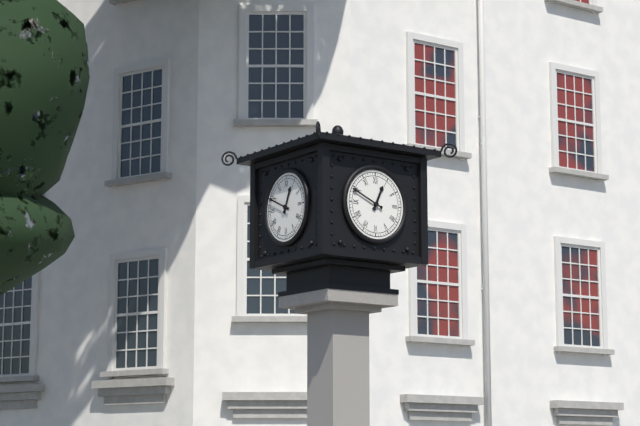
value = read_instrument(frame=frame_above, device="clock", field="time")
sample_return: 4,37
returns 12,49
